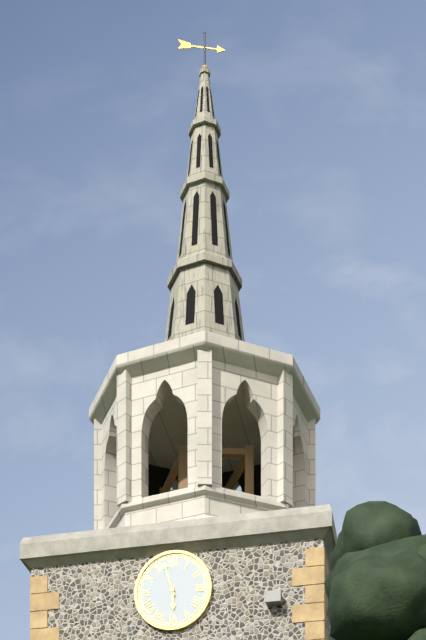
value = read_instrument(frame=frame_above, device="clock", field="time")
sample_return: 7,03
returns 5,57
